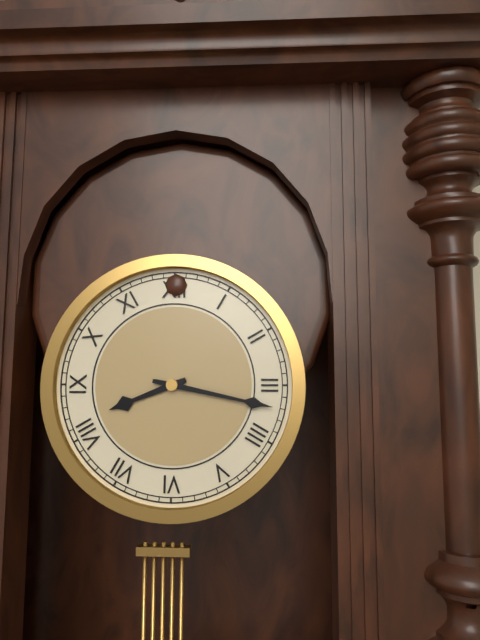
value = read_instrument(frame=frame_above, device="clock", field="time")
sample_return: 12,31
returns 8,17
